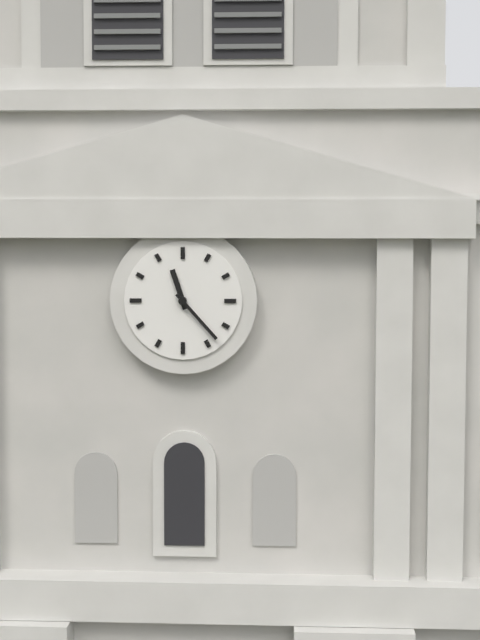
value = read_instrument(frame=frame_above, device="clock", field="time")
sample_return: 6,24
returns 11,23
